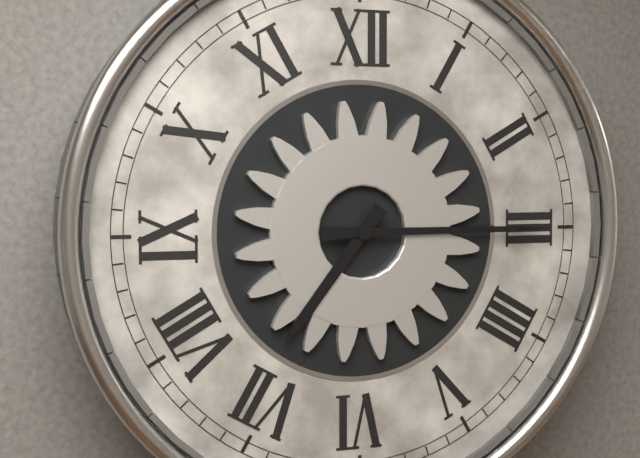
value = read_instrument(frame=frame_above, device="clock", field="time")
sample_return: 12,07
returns 7,15
